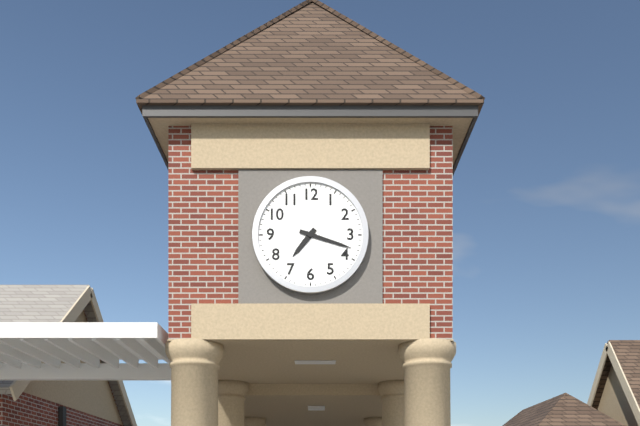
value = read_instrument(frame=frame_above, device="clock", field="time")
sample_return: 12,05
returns 7,18
